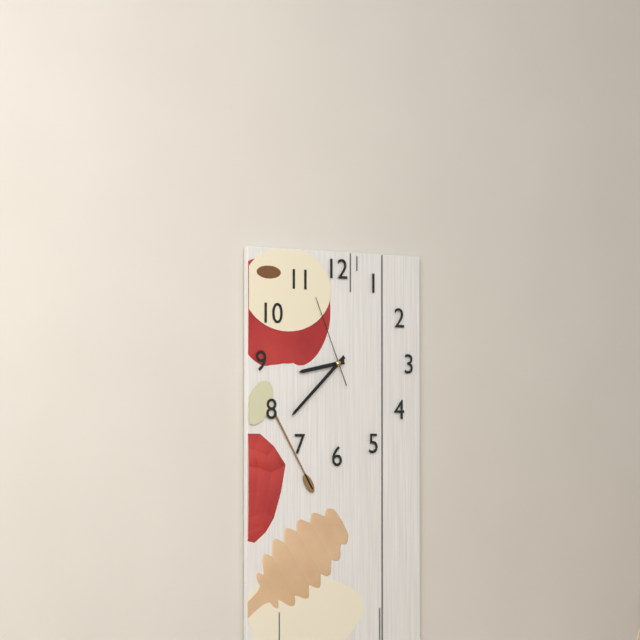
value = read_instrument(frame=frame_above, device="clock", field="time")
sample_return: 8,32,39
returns 8,38,56
